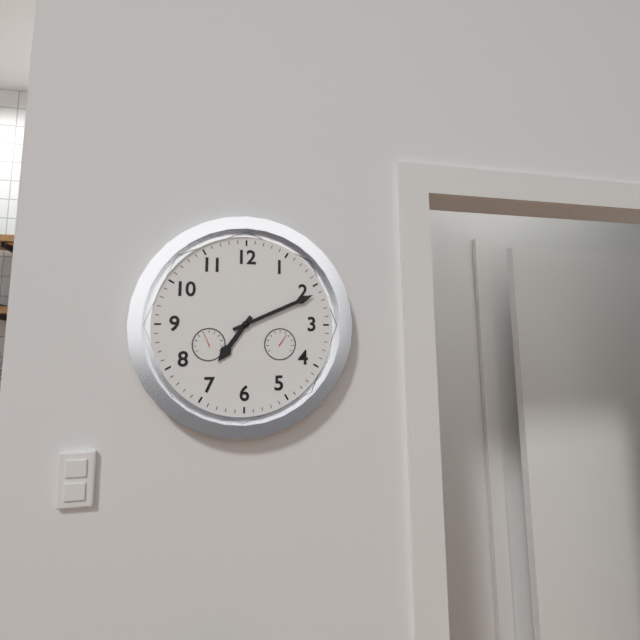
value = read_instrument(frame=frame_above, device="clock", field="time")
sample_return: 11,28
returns 7,11
